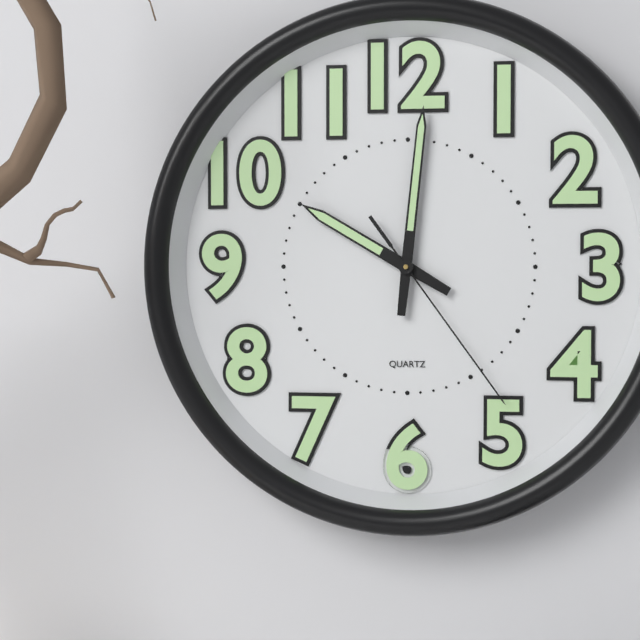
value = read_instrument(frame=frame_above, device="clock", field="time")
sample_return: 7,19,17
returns 10,01,24
